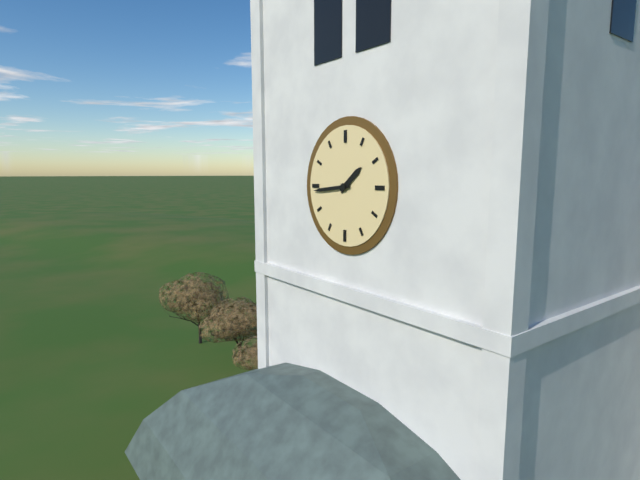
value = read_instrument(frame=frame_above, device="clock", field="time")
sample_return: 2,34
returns 1,44
